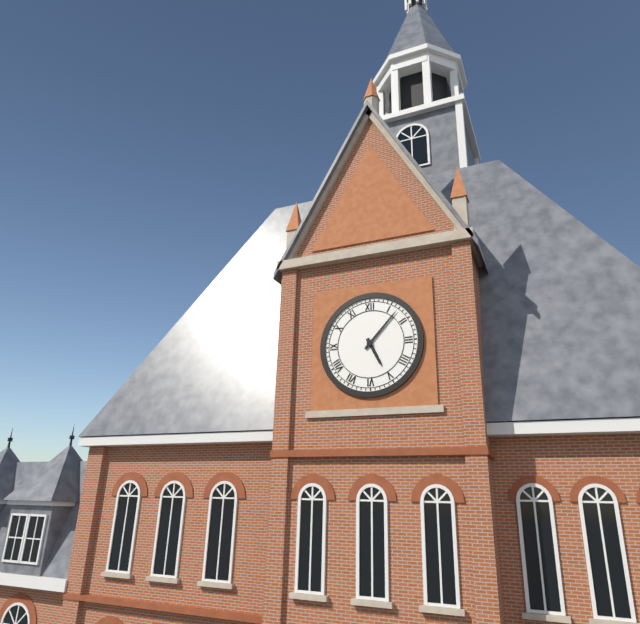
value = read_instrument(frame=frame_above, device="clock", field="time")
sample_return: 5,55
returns 5,07
